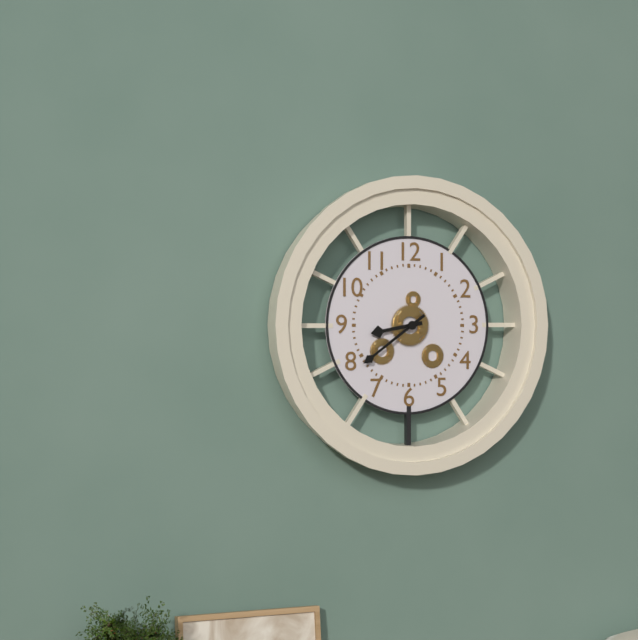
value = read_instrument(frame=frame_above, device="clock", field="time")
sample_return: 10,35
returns 8,39
